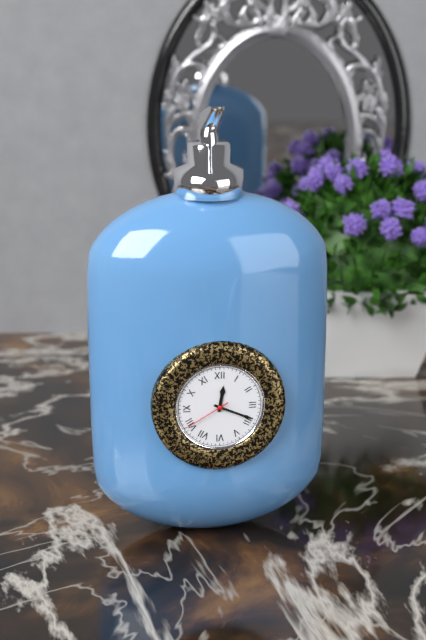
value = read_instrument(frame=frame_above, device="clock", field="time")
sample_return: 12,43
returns 12,19
